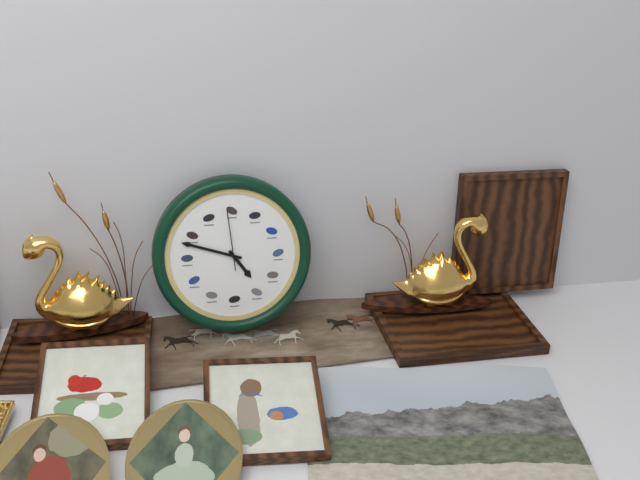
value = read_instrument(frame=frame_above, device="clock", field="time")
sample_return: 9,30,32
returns 4,48,59
